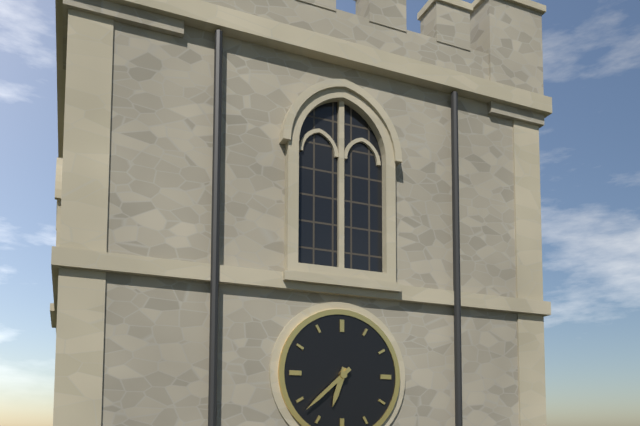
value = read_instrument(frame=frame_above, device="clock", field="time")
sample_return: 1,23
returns 6,38
